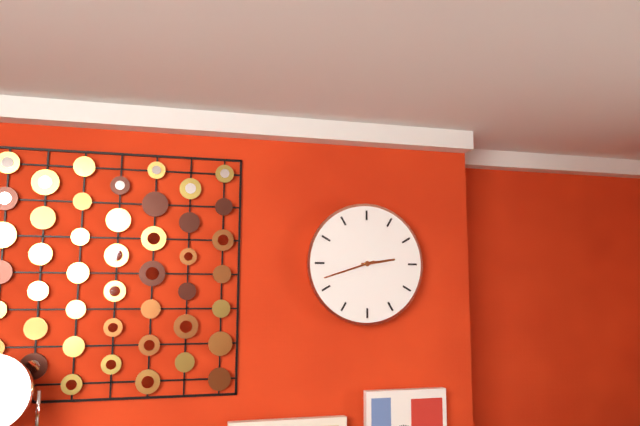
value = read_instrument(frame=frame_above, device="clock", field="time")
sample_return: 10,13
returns 2,42
